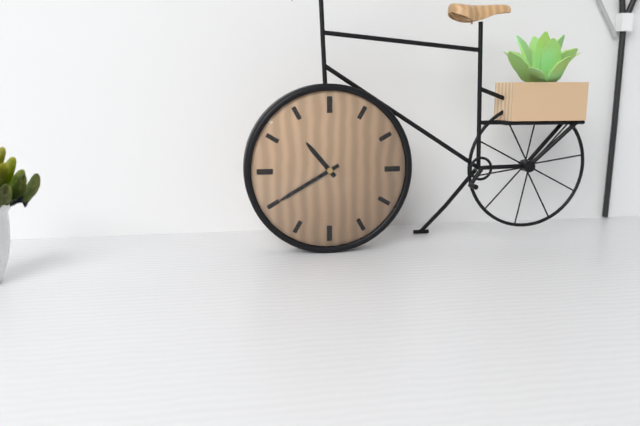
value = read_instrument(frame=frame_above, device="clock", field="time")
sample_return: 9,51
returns 10,40
